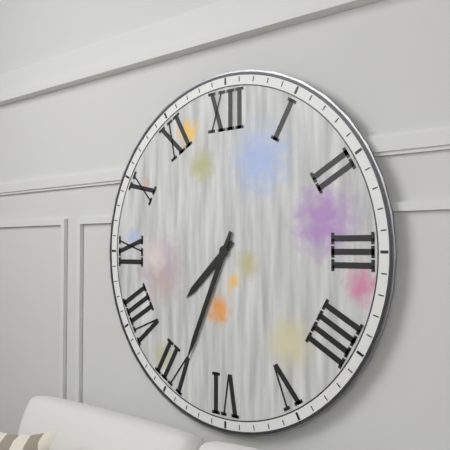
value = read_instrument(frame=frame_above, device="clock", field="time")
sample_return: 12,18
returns 7,34
